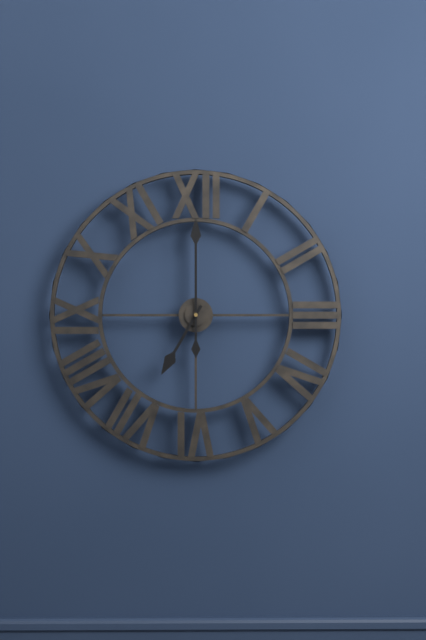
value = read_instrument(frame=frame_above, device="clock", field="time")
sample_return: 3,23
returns 7,00
